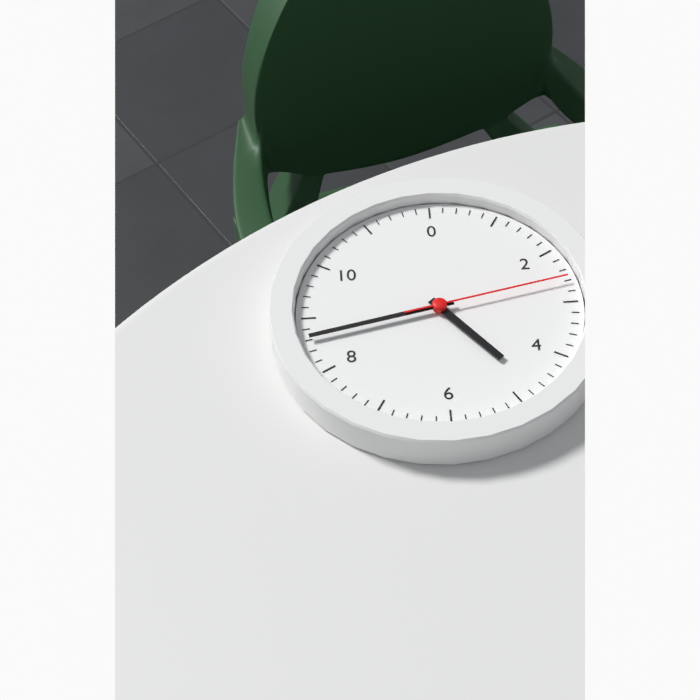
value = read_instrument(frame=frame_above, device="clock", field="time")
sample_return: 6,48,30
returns 4,43,13
